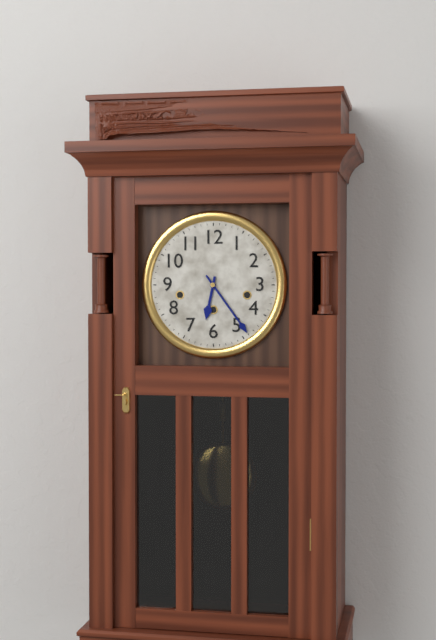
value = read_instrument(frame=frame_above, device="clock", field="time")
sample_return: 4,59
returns 6,24
